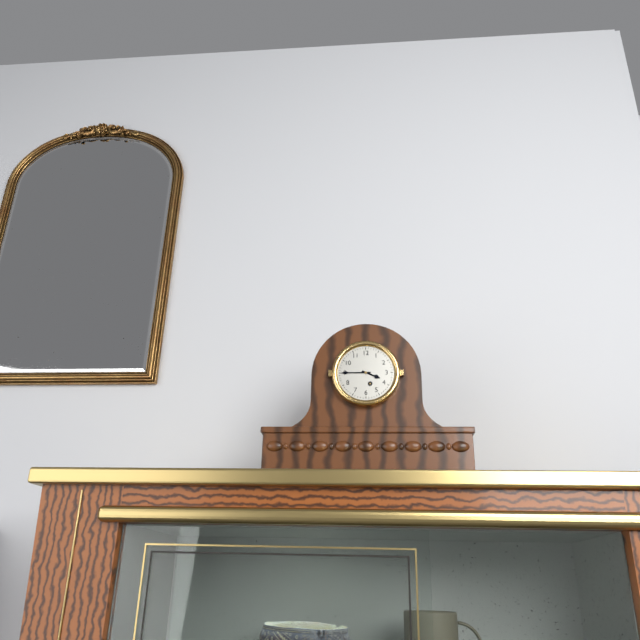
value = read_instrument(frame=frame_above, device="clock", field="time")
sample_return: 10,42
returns 3,45
